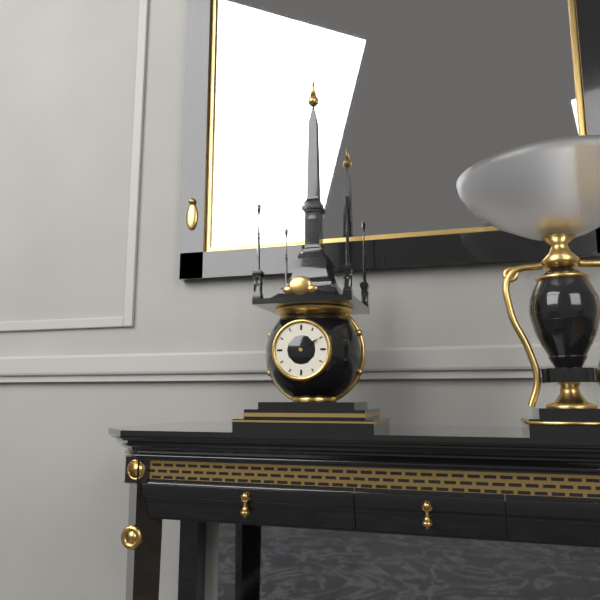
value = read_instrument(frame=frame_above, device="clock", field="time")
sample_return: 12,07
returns 1,10
